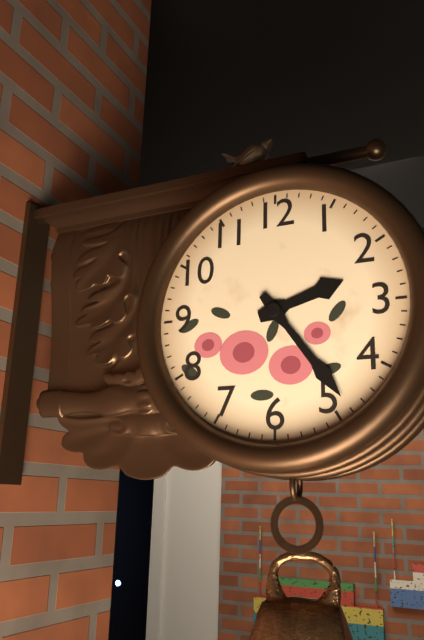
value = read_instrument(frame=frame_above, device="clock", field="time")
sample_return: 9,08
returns 2,24
